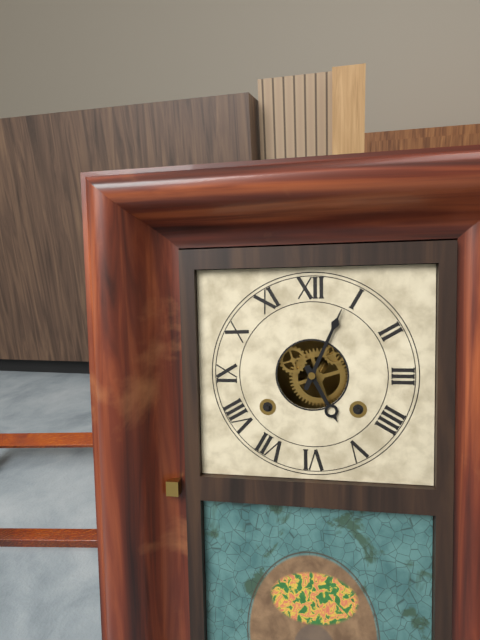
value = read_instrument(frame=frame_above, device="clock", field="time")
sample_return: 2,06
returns 5,04
